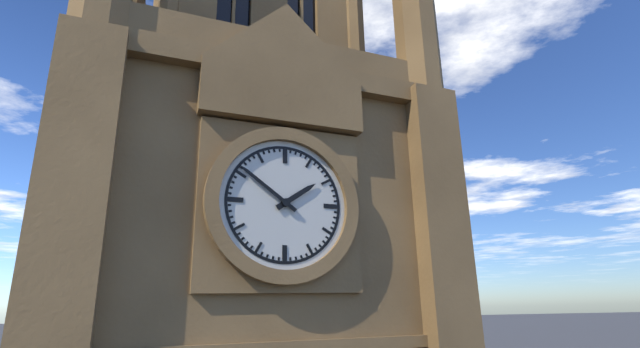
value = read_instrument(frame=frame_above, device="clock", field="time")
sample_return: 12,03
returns 1,51
